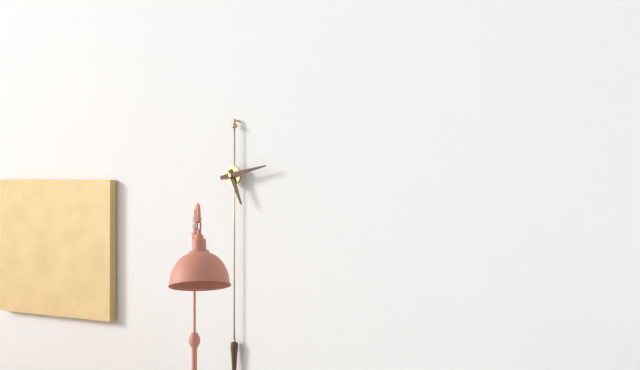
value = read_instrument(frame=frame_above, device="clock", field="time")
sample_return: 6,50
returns 5,13
